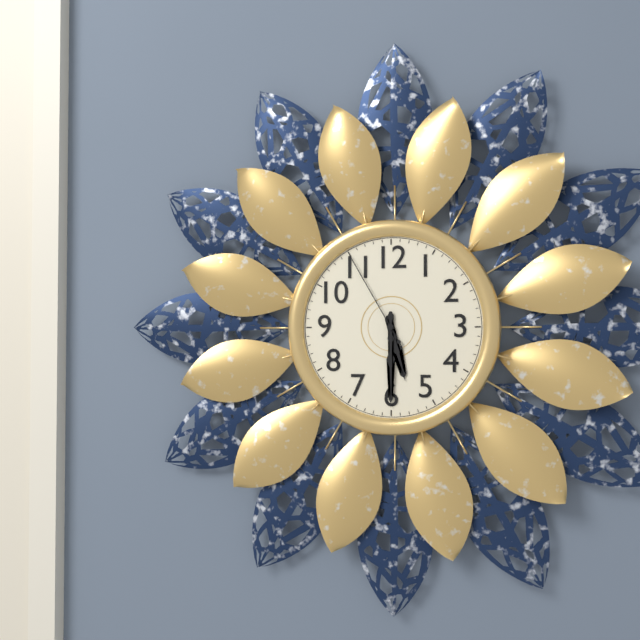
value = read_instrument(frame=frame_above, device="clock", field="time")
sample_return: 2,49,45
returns 5,30,55
